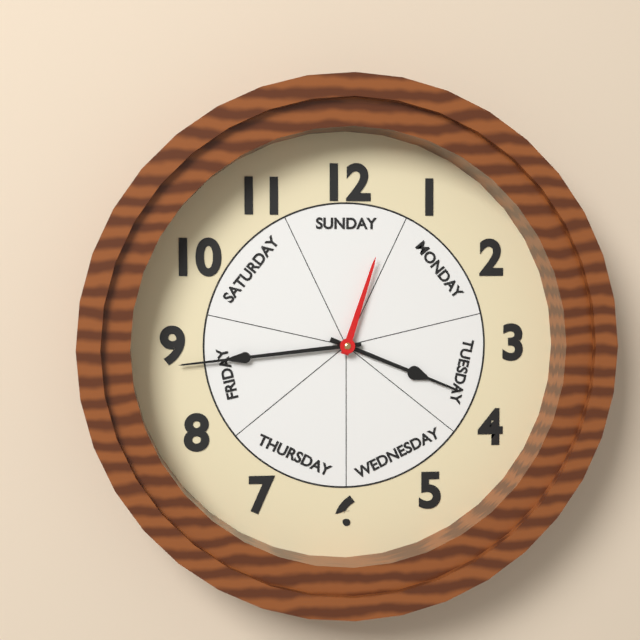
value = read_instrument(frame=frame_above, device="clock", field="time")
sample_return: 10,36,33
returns 3,44,03
